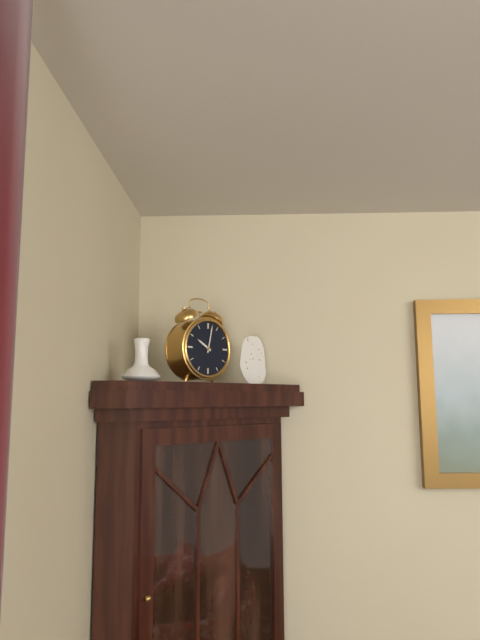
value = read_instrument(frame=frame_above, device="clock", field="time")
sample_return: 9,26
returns 10,02
